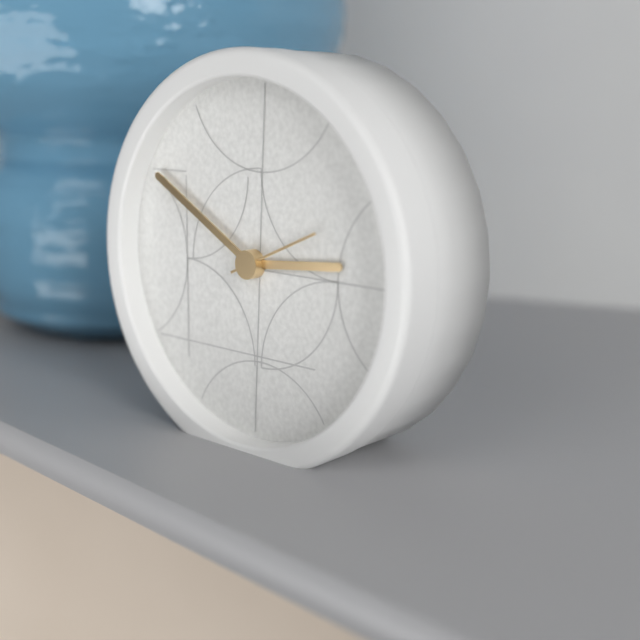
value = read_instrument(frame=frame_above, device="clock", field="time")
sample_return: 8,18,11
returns 2,50,11
